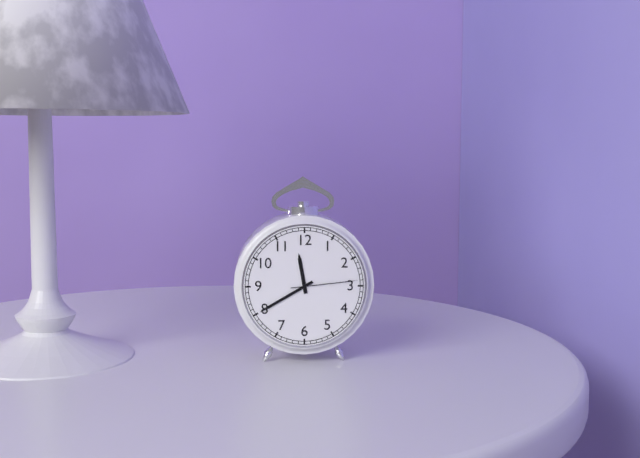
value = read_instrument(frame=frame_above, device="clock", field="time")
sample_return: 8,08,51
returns 11,40,14
